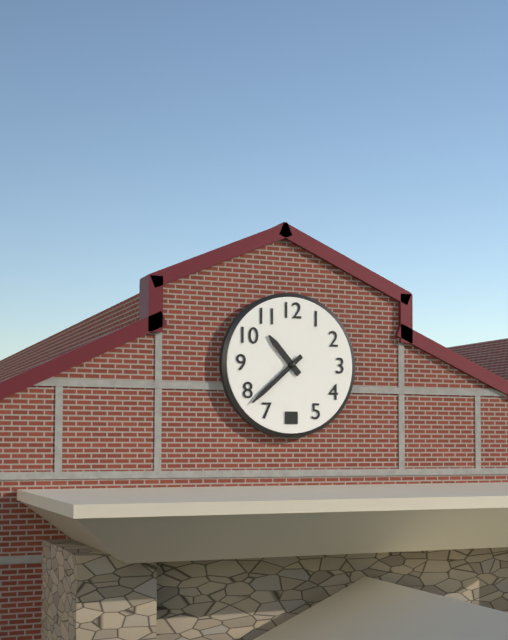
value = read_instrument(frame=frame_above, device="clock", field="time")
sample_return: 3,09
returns 10,38
